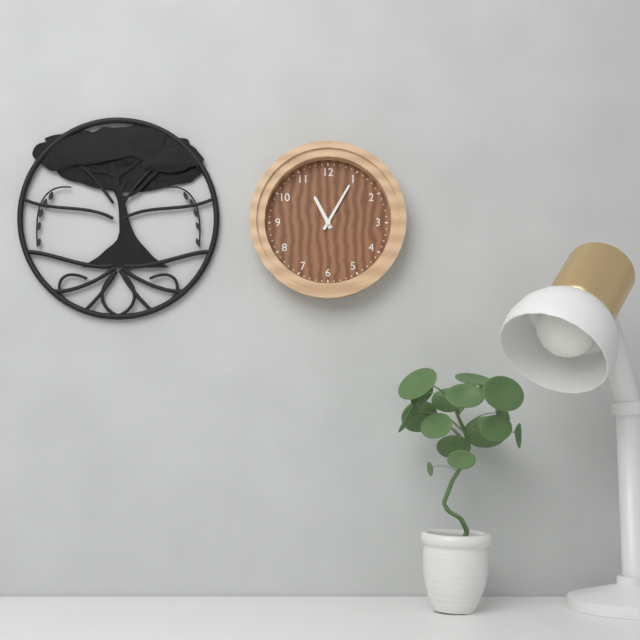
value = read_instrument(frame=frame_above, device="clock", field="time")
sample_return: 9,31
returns 11,05
